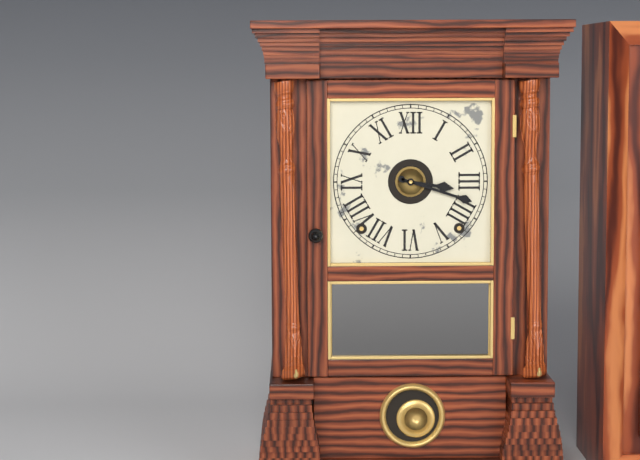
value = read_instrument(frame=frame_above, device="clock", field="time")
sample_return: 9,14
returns 3,18
